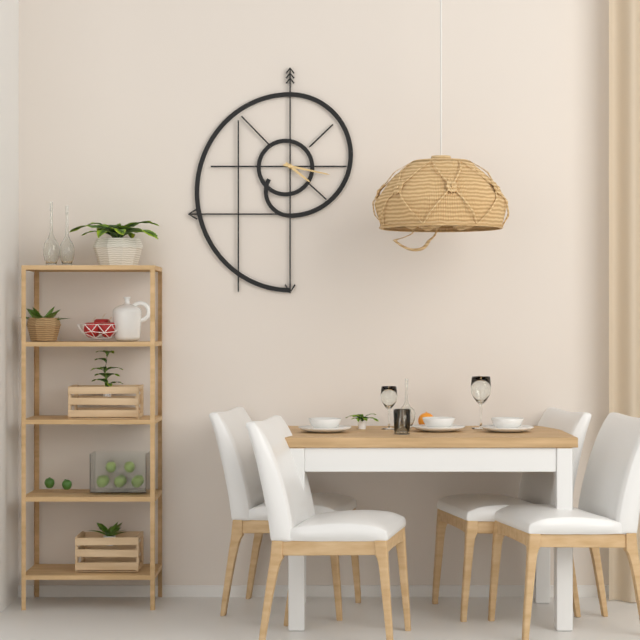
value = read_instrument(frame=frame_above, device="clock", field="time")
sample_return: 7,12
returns 4,17
